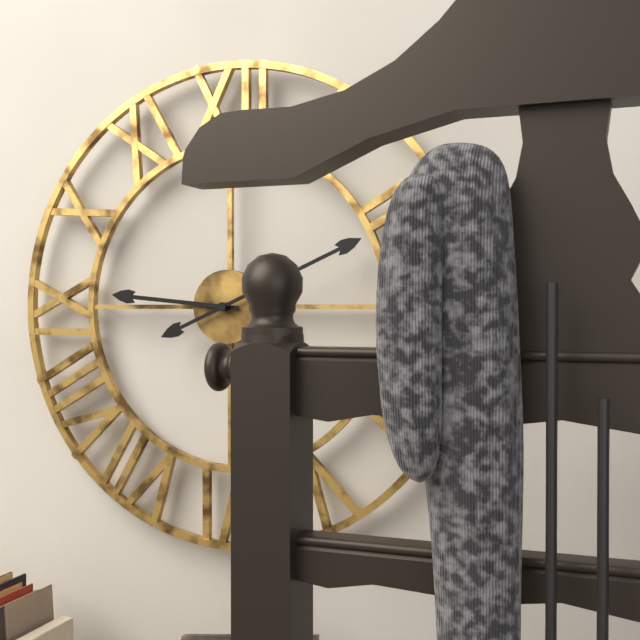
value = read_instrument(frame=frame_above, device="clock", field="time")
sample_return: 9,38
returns 9,11
